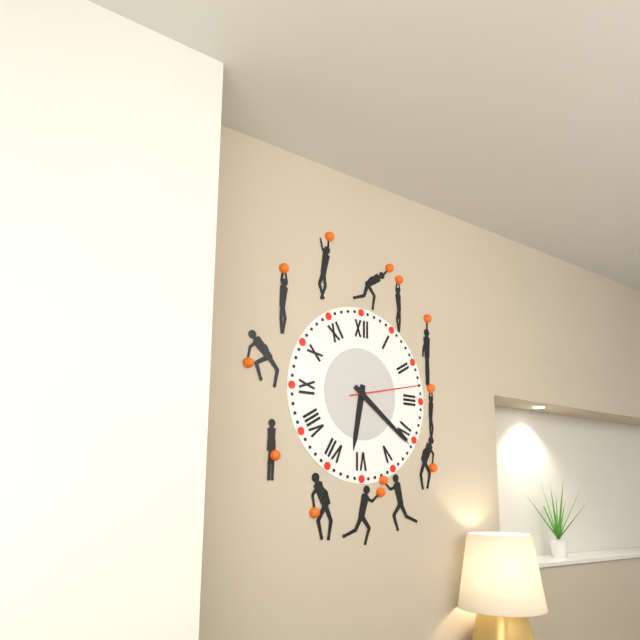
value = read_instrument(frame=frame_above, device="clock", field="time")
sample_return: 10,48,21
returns 6,21,13
